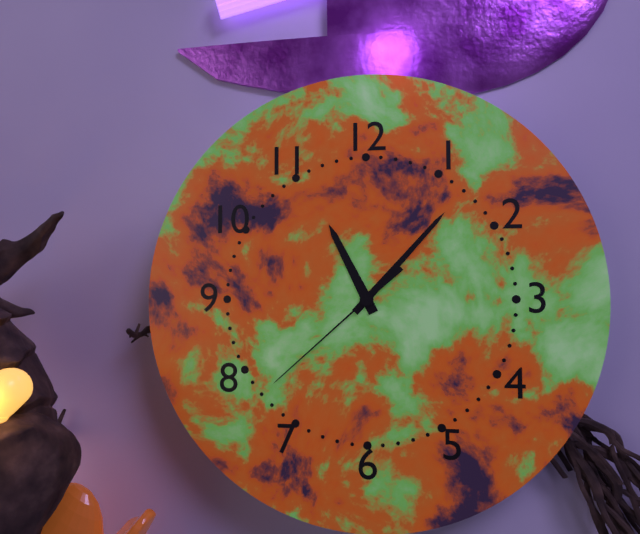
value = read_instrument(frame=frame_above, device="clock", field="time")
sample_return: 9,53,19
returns 11,07,38
